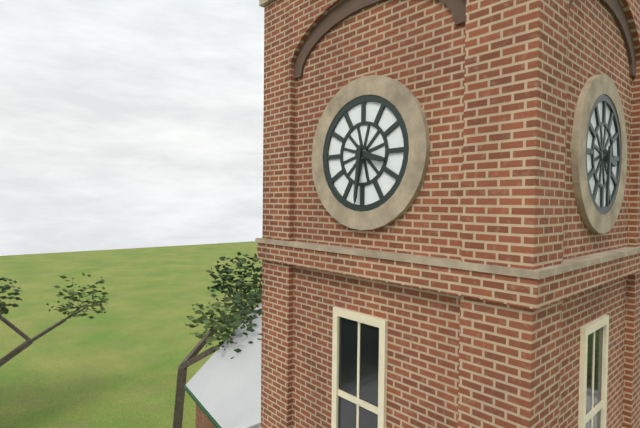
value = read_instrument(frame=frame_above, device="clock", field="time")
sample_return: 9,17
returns 3,31
